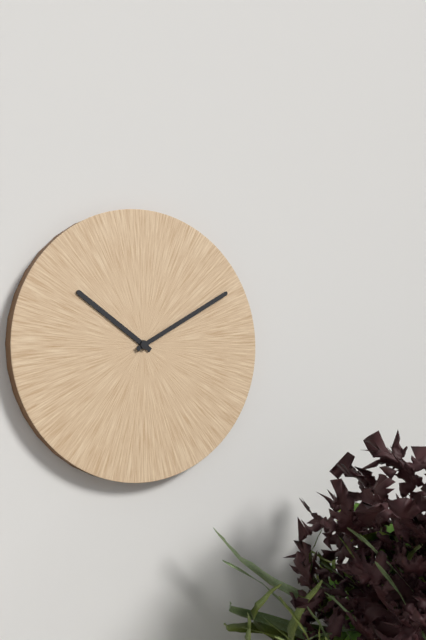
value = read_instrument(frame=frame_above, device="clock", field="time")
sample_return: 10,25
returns 10,10
